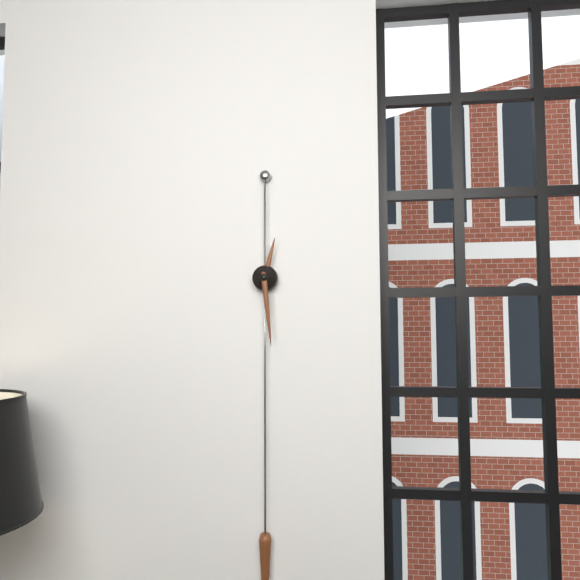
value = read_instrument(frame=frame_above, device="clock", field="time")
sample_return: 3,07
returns 12,29
